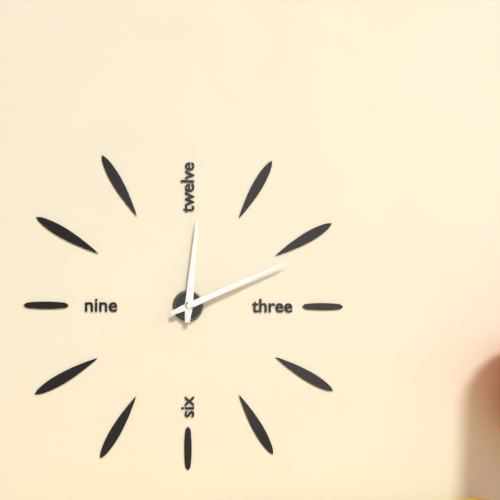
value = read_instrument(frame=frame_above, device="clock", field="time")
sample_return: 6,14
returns 12,11
